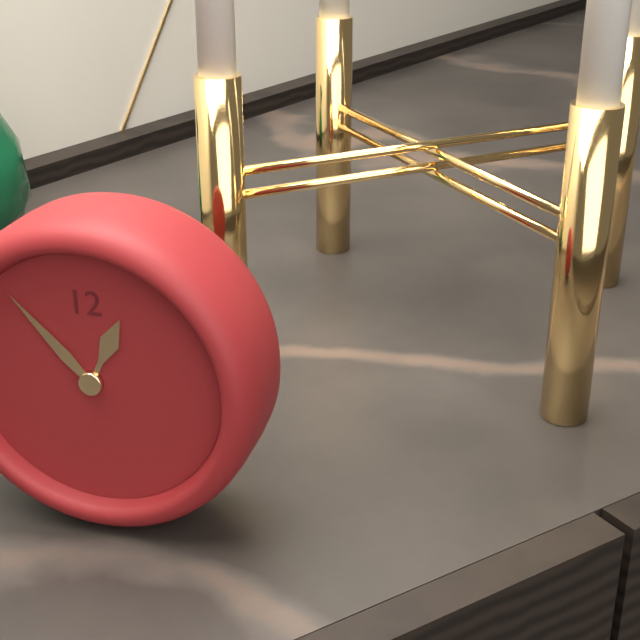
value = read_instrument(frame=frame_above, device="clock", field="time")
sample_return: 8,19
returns 12,53
